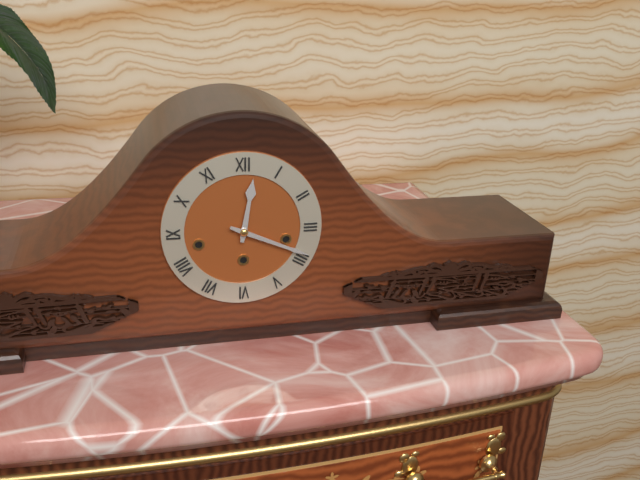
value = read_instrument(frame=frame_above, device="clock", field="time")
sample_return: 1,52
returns 12,19
